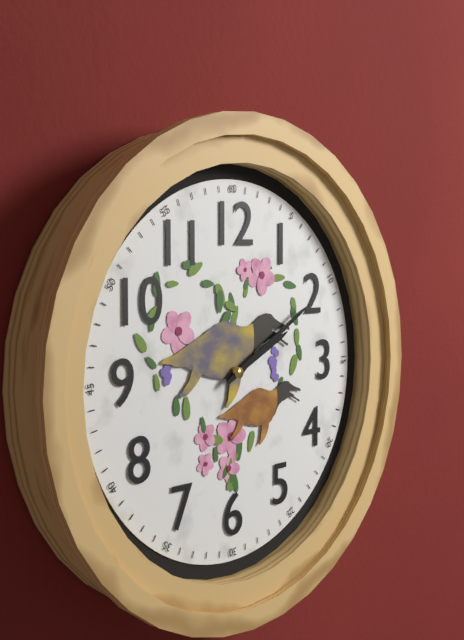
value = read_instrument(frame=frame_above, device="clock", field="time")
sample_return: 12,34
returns 2,10
